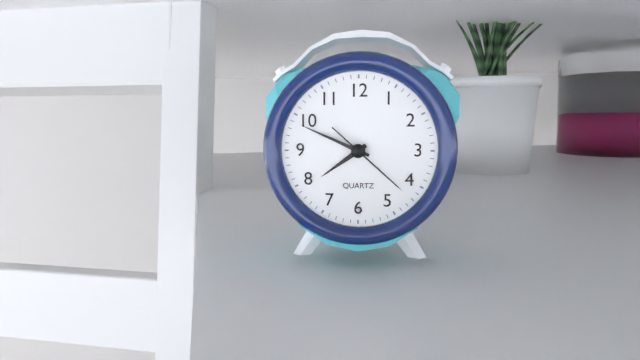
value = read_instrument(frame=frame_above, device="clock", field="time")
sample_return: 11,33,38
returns 7,49,22
